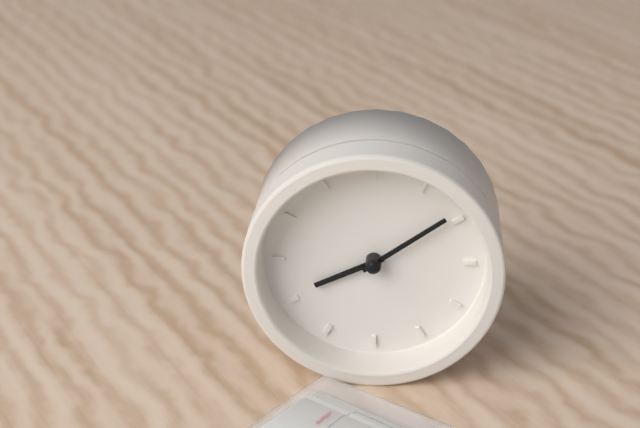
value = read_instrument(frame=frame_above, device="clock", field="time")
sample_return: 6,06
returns 8,09
